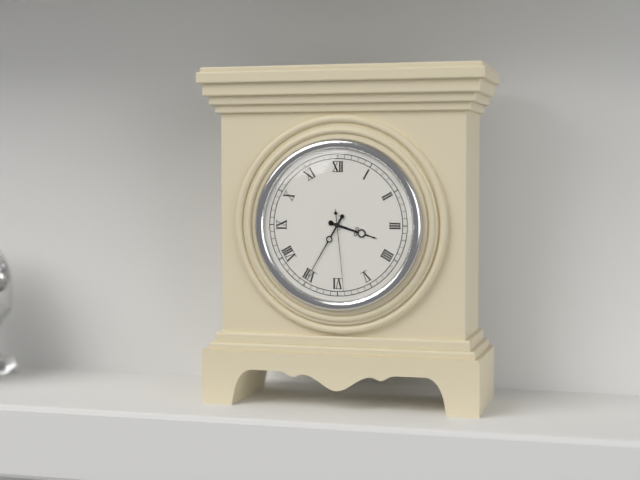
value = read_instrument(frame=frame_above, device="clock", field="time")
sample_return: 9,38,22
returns 3,35,29
